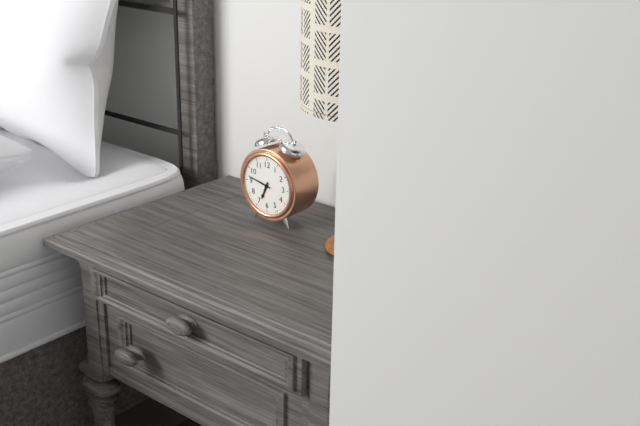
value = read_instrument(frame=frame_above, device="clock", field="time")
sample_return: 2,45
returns 6,47
